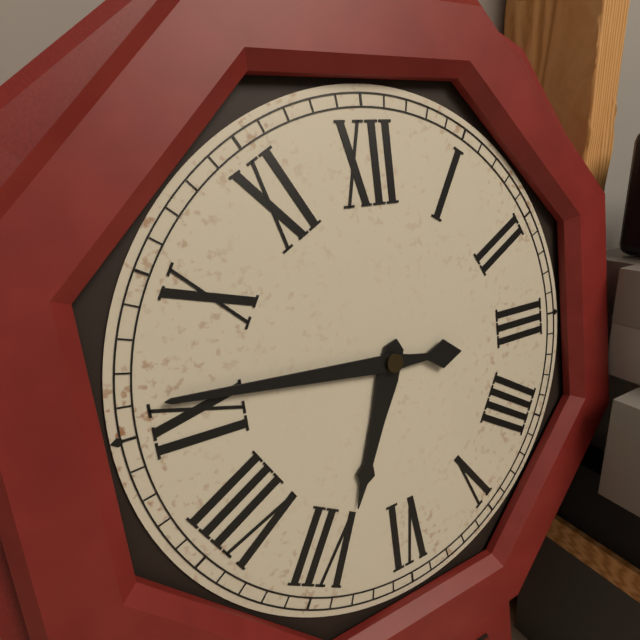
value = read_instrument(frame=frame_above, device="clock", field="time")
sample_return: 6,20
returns 6,46
